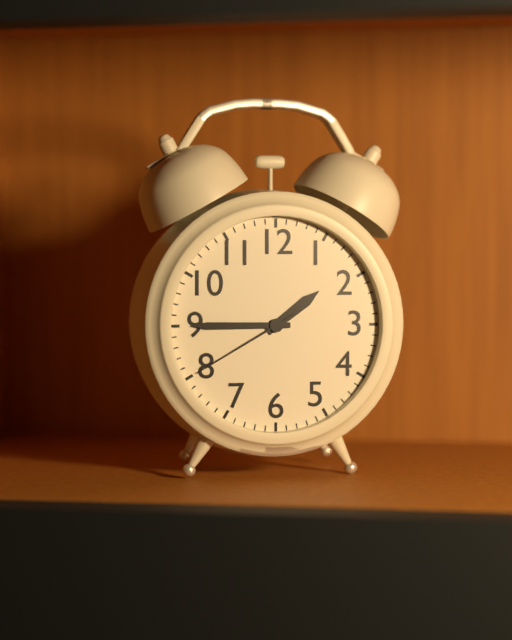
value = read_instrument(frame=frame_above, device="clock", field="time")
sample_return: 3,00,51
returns 1,45,40
